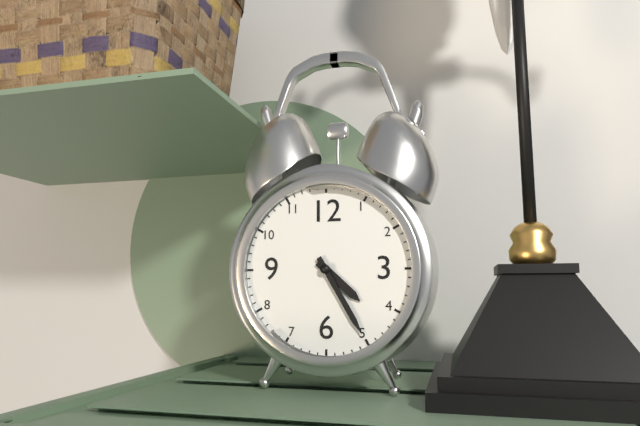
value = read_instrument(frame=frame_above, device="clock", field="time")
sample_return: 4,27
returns 4,25
